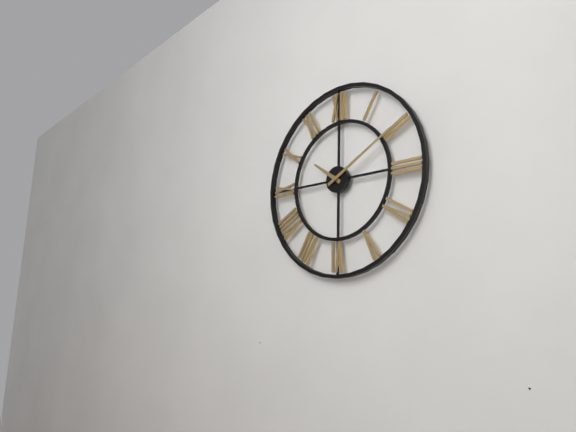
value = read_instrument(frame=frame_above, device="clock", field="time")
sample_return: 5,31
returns 10,10
